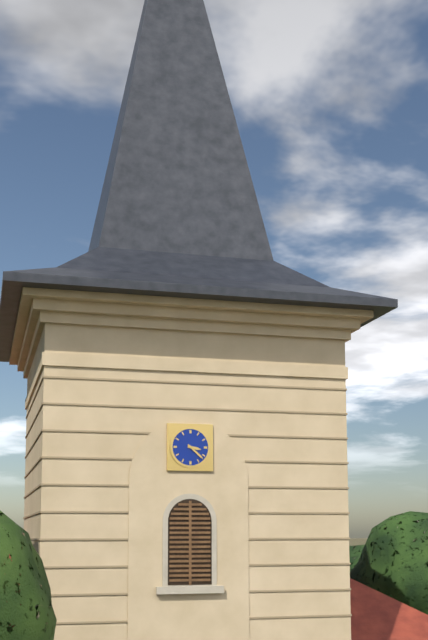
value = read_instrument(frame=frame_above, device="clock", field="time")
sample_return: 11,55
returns 3,22
